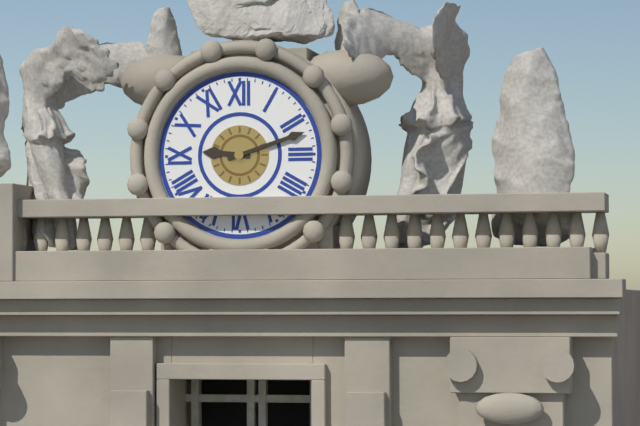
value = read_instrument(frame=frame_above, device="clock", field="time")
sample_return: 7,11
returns 9,12
